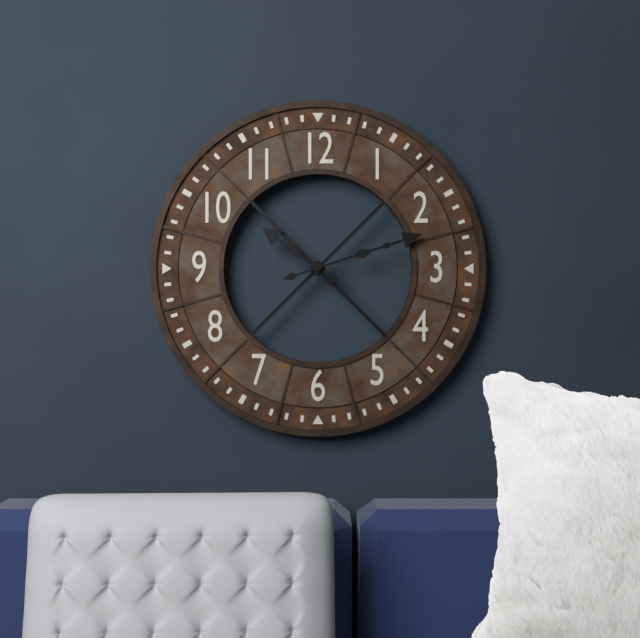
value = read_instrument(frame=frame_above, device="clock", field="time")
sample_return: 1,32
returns 10,12
